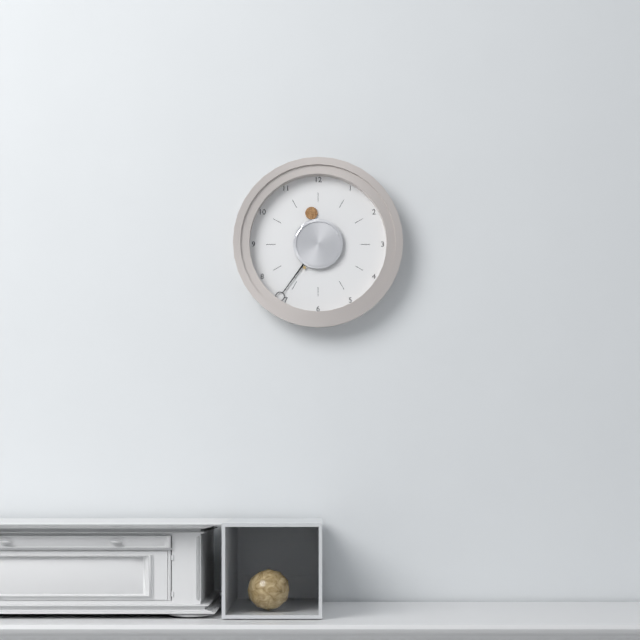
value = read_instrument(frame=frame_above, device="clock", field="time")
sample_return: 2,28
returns 11,36
